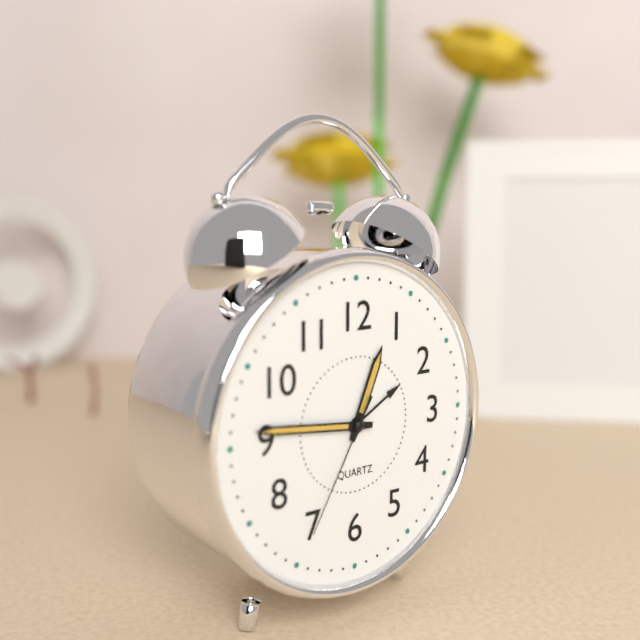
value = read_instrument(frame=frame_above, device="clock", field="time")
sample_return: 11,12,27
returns 12,46,35
